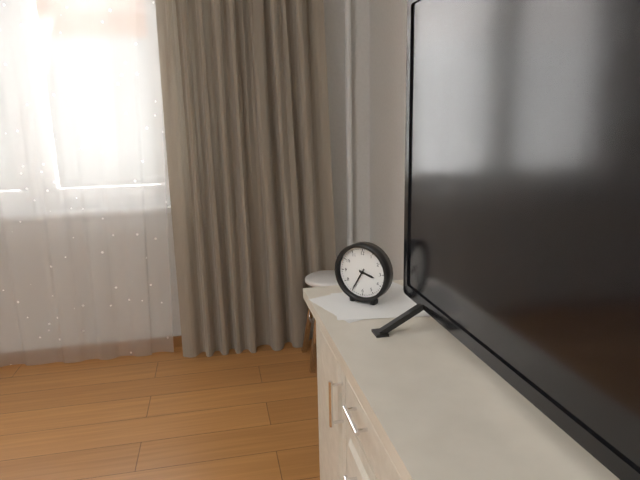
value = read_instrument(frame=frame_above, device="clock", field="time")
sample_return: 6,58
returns 3,35
